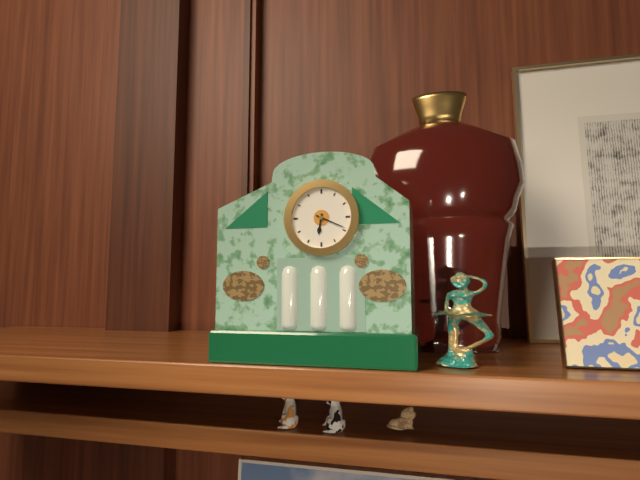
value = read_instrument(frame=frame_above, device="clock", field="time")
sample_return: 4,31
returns 6,19
